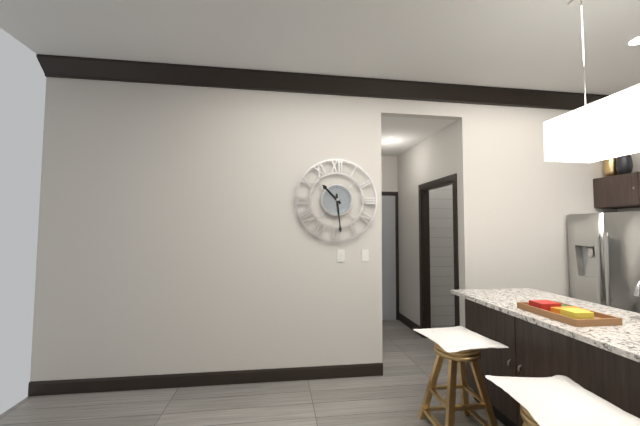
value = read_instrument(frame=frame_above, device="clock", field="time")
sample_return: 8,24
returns 10,29
